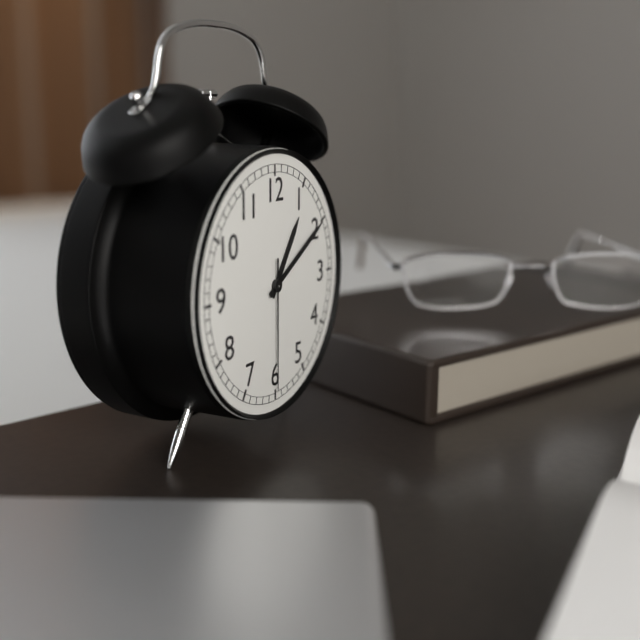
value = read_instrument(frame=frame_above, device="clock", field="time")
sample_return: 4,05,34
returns 1,10,30
